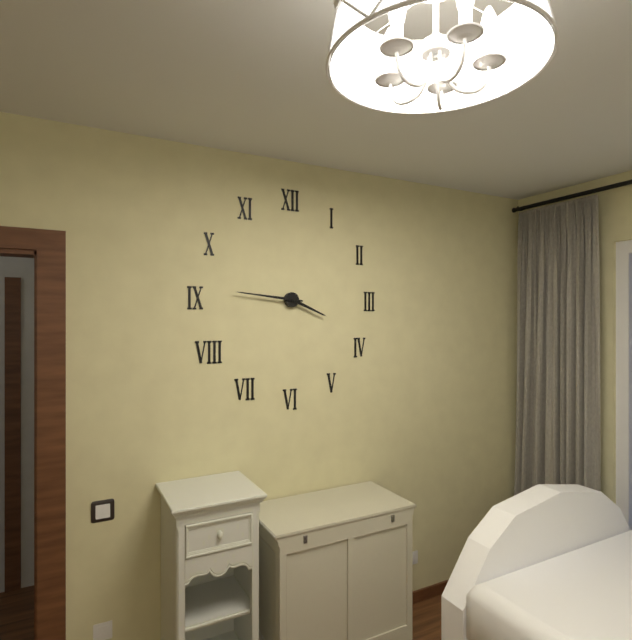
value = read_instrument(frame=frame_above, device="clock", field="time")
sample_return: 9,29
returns 3,46
